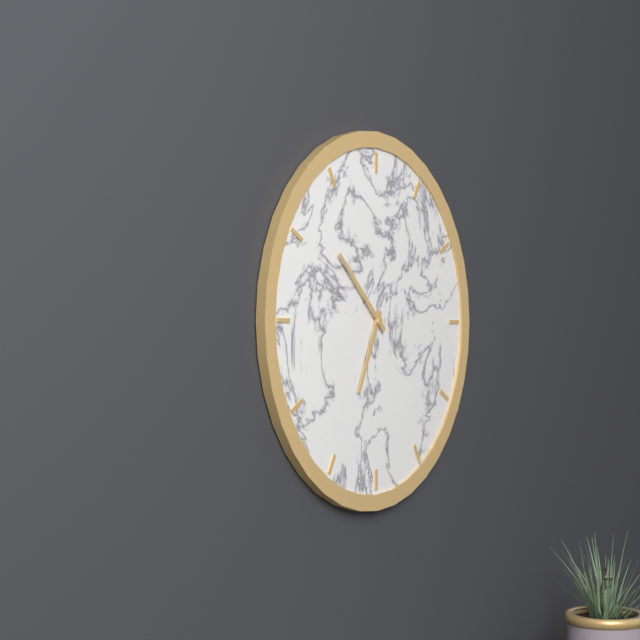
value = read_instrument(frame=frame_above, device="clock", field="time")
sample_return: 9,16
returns 6,52
